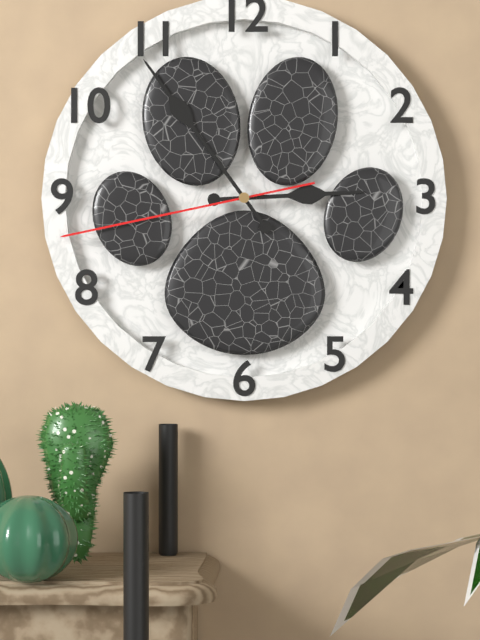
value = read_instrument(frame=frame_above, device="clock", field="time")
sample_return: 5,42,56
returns 2,54,43
